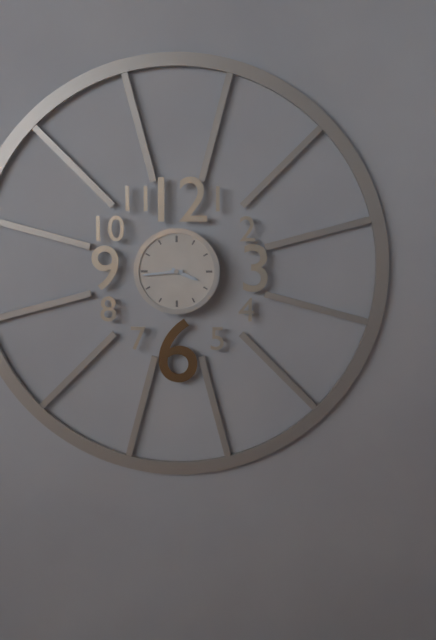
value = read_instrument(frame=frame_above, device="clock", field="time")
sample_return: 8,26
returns 3,44
